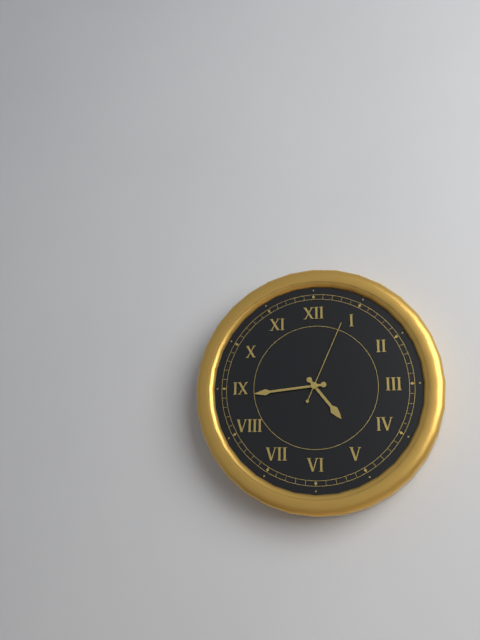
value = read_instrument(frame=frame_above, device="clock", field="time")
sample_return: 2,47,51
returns 4,44,04
